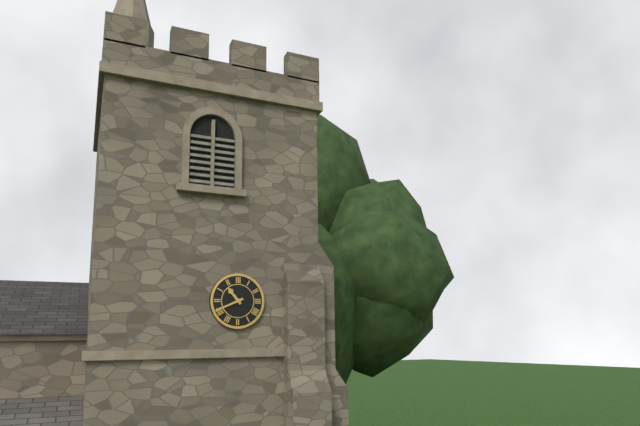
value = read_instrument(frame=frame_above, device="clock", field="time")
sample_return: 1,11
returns 10,41
